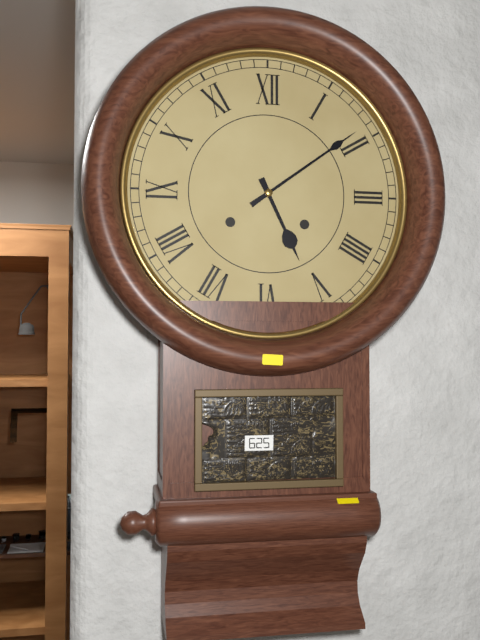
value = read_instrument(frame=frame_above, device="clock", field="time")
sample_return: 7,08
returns 5,09
